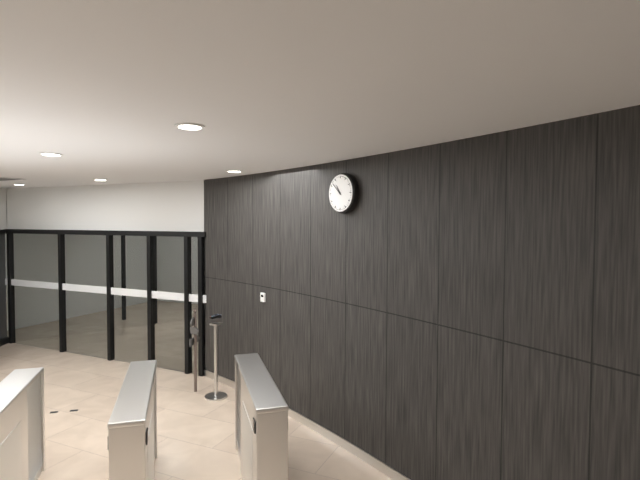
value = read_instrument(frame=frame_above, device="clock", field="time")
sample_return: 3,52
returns 10,52
